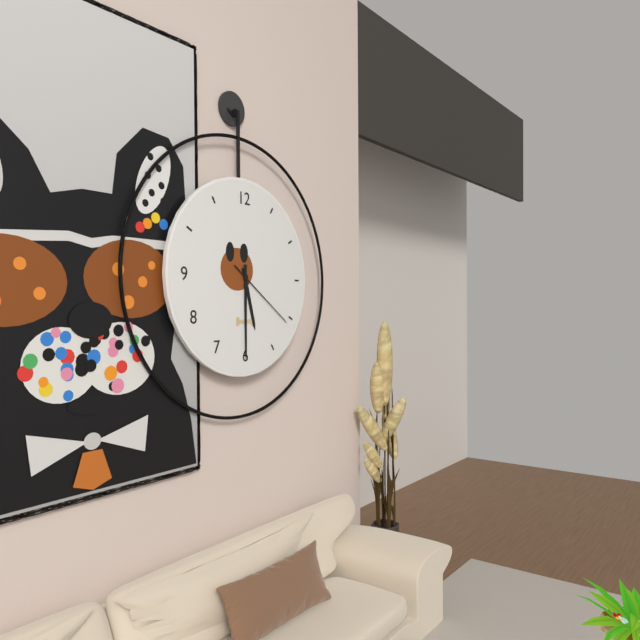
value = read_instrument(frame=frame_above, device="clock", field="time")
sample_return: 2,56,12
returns 5,30,21
